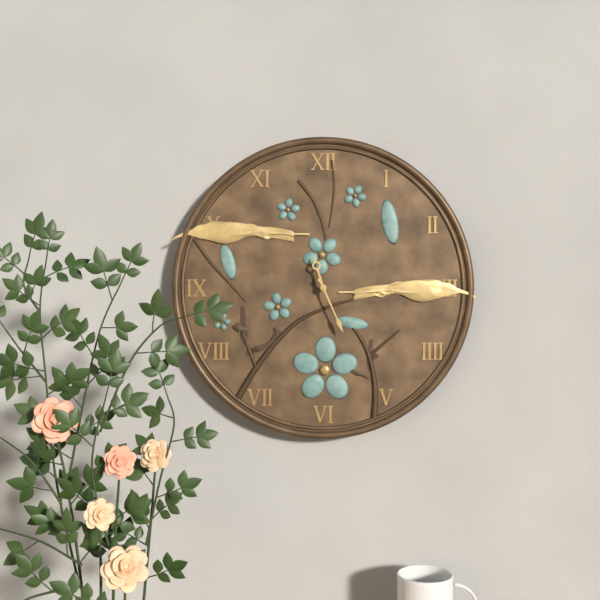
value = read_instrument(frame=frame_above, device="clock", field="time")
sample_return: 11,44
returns 11,26
